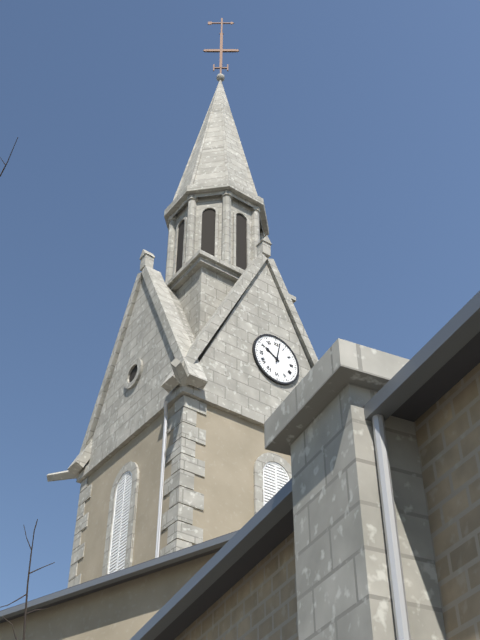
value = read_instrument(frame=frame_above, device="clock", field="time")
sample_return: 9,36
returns 10,02
